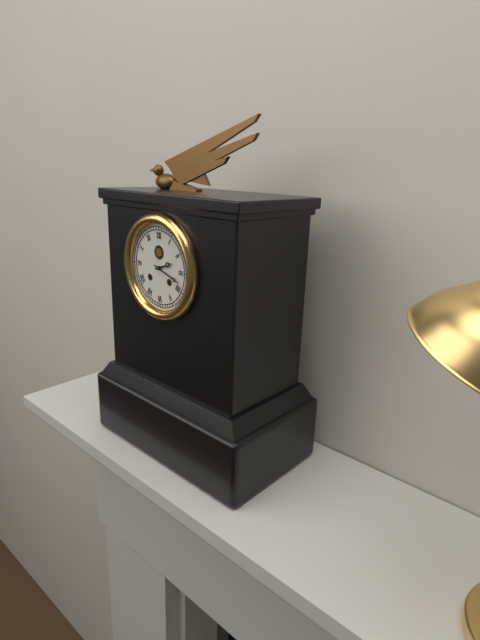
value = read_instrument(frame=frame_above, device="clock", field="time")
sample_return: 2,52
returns 2,18
